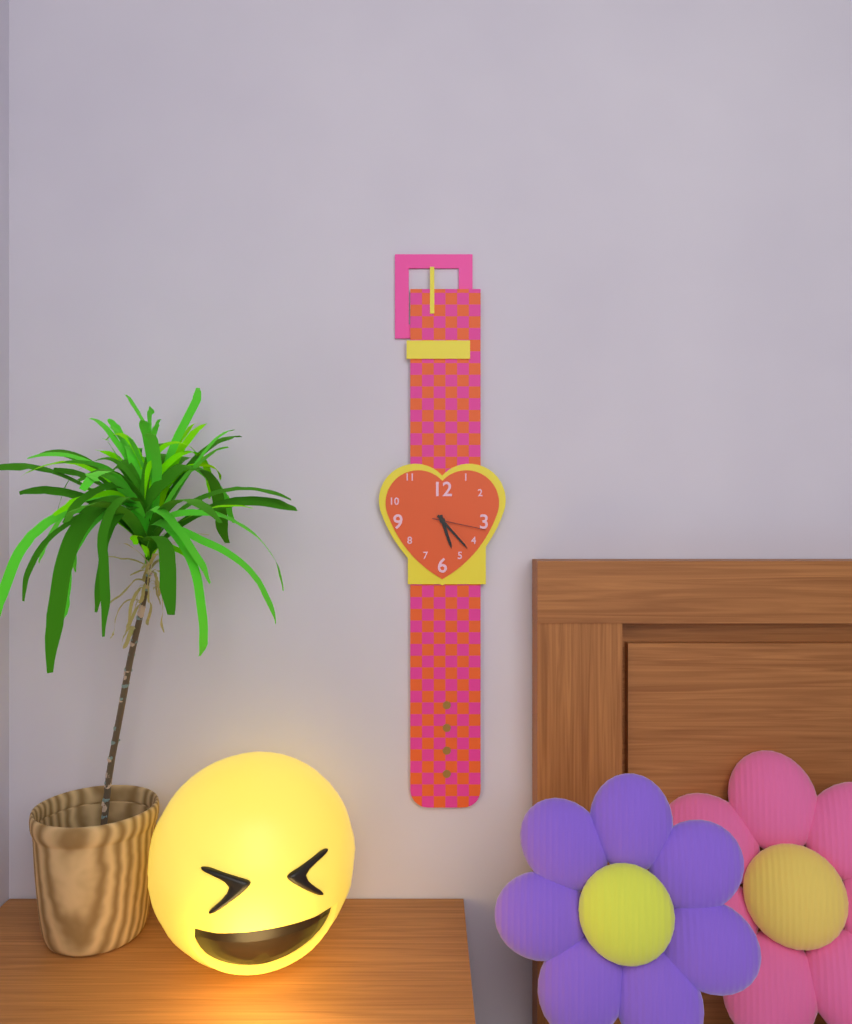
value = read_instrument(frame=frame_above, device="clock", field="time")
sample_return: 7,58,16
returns 5,23,17
